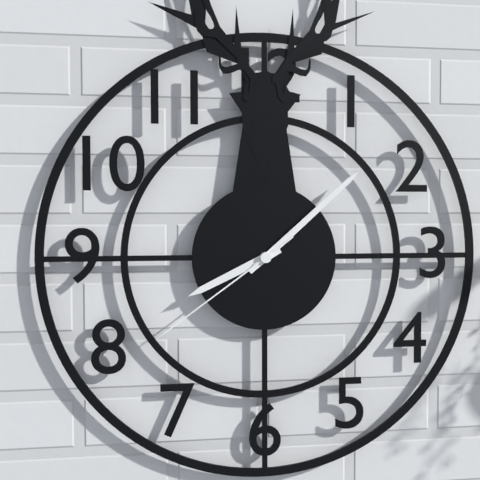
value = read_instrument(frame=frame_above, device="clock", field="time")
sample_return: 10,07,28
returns 8,08,39
